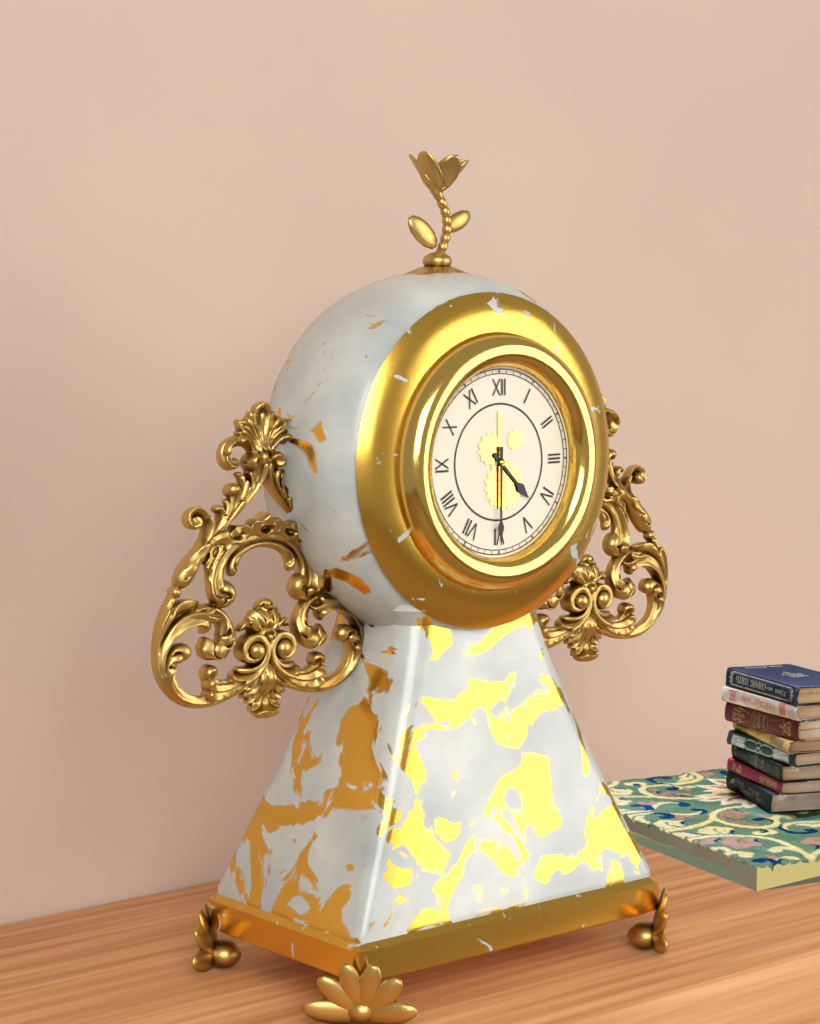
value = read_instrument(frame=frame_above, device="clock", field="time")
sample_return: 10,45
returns 4,30
